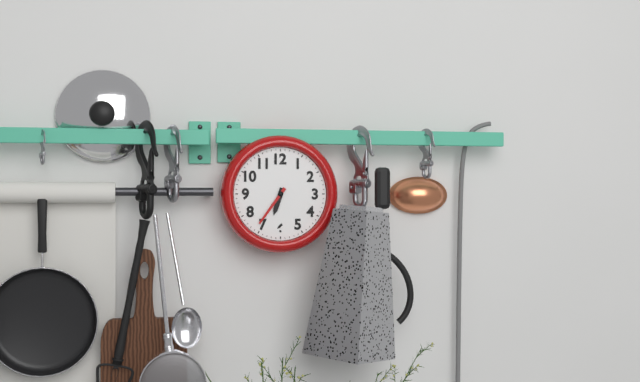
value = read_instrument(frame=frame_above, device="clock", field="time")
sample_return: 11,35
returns 6,36
